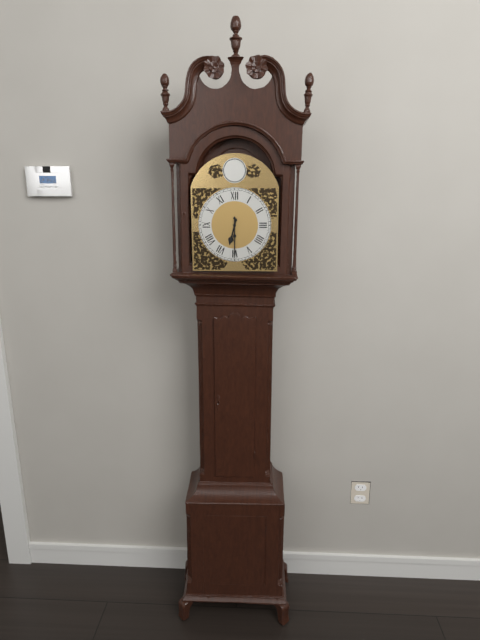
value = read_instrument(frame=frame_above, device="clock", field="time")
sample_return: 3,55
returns 6,30
